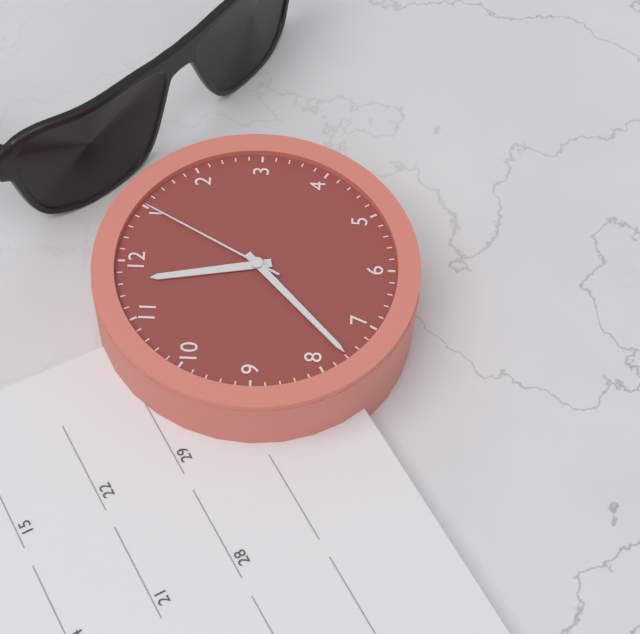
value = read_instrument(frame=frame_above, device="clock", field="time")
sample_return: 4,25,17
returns 11,38,05
